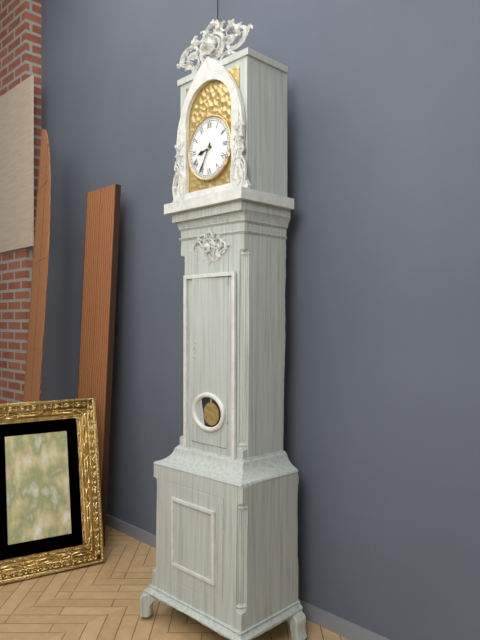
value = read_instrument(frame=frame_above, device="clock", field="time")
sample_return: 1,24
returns 8,35
